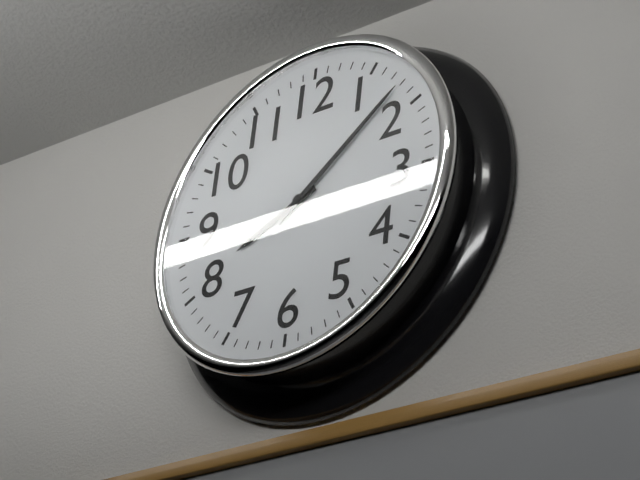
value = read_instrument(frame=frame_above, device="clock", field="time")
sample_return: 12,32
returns 8,08
